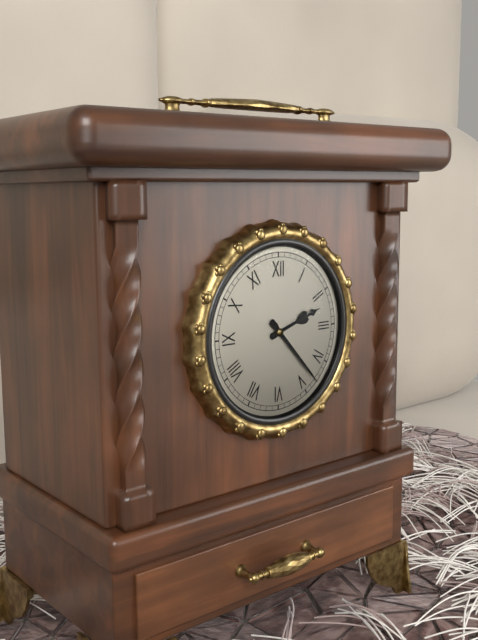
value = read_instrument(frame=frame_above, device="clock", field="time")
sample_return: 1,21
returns 2,23
